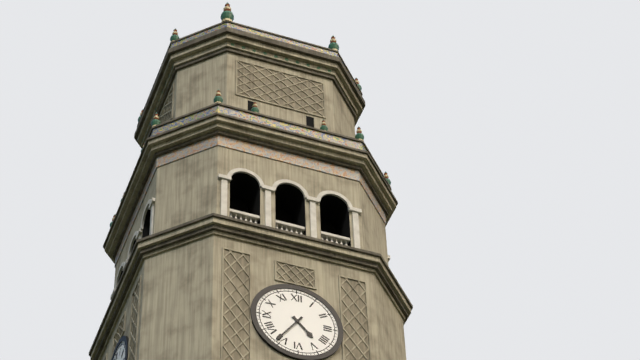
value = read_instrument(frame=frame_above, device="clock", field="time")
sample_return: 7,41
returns 4,36
